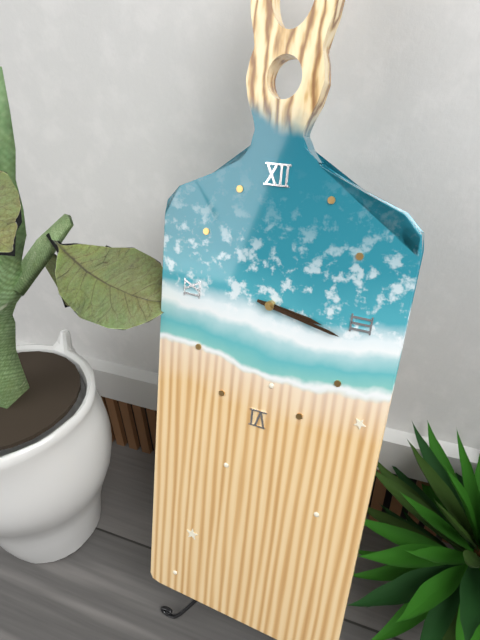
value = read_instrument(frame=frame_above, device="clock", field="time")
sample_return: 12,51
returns 3,17
